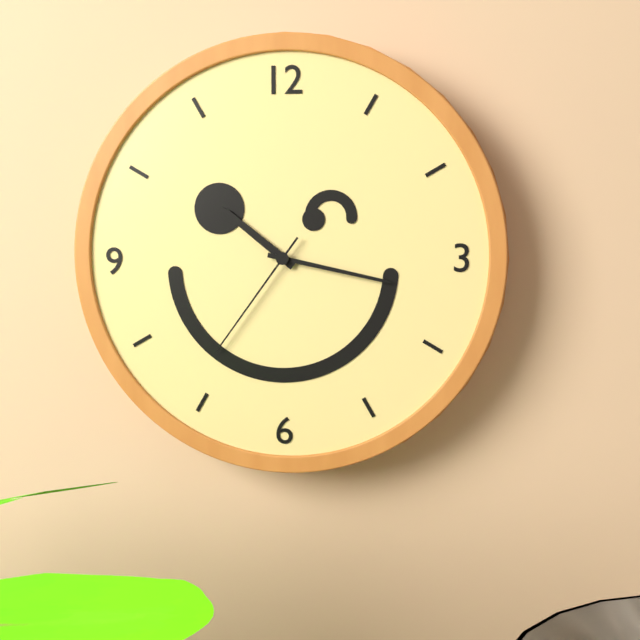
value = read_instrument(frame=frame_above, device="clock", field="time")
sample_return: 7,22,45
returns 10,17,36
